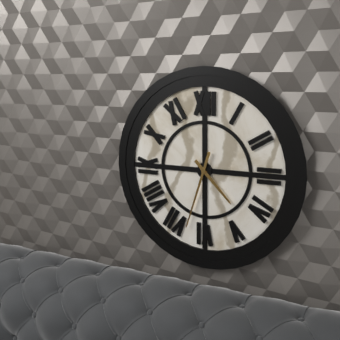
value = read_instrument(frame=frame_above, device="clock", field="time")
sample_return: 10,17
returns 4,33
